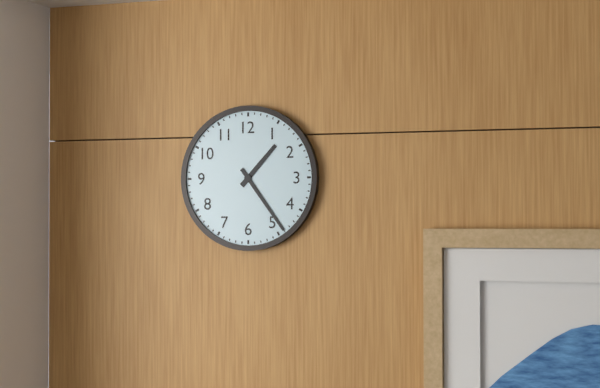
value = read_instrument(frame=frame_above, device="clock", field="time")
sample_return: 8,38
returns 1,24
